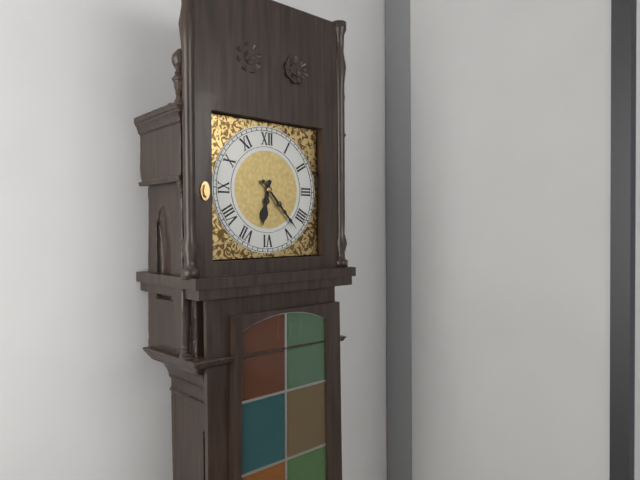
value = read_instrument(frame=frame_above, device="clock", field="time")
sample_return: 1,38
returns 6,23
